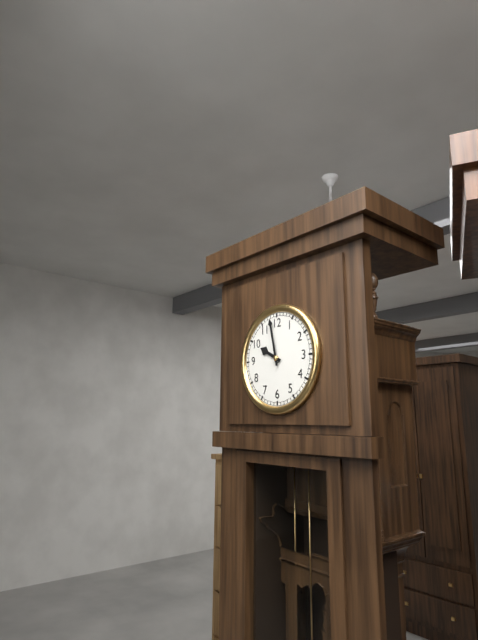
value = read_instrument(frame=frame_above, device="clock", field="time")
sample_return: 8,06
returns 9,58
